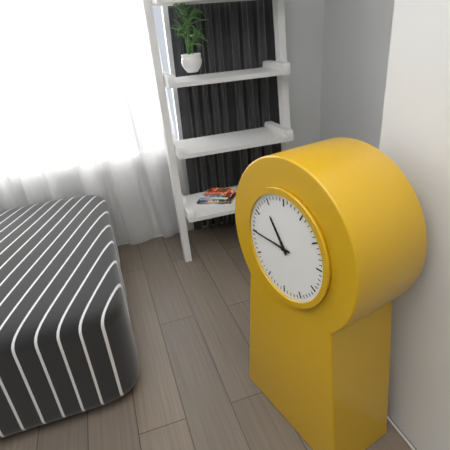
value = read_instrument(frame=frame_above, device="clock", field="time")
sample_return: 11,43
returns 10,45
